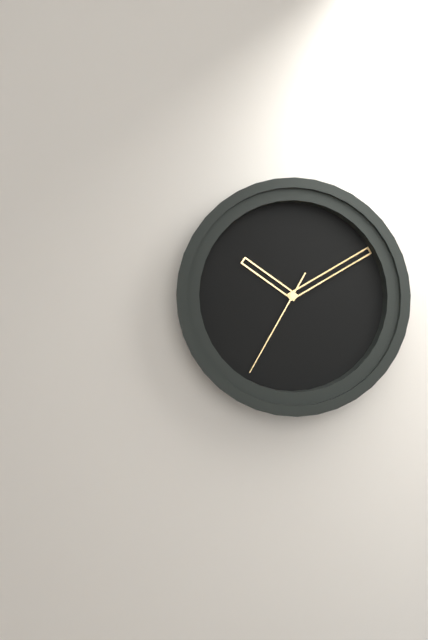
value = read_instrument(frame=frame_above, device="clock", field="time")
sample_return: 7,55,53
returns 10,10,35
